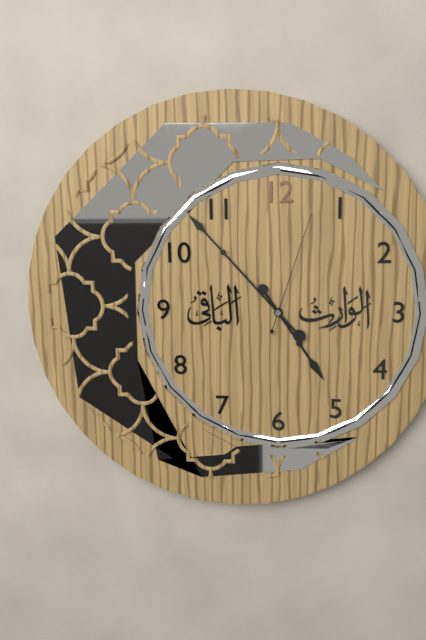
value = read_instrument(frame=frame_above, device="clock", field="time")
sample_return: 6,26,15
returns 4,53,03
